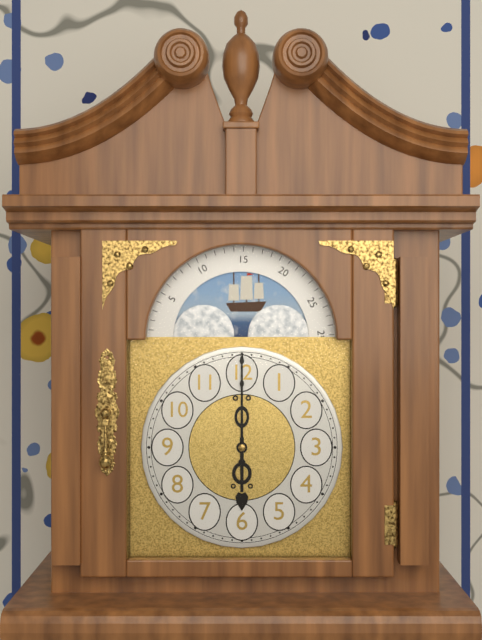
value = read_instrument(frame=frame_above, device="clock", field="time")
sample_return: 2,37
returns 6,00
